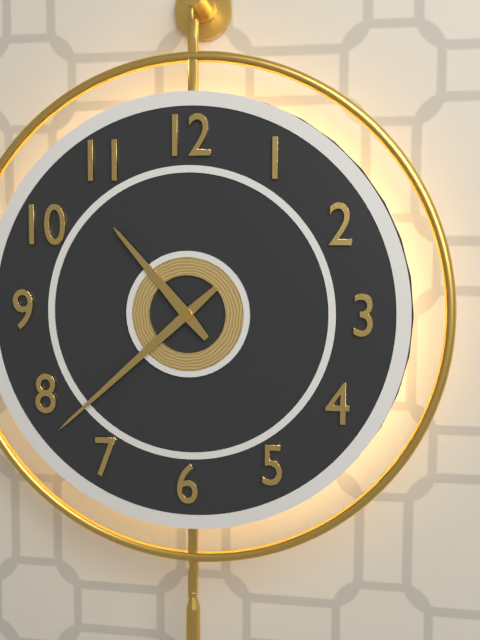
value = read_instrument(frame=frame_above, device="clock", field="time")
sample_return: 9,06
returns 10,38
